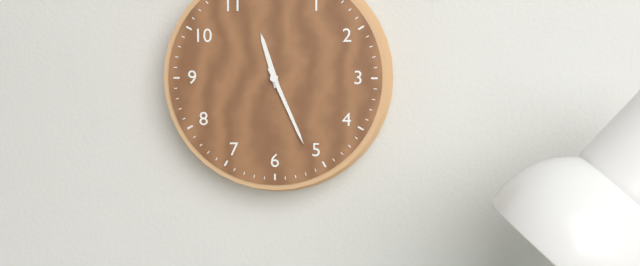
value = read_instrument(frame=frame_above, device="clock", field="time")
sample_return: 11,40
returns 11,26
